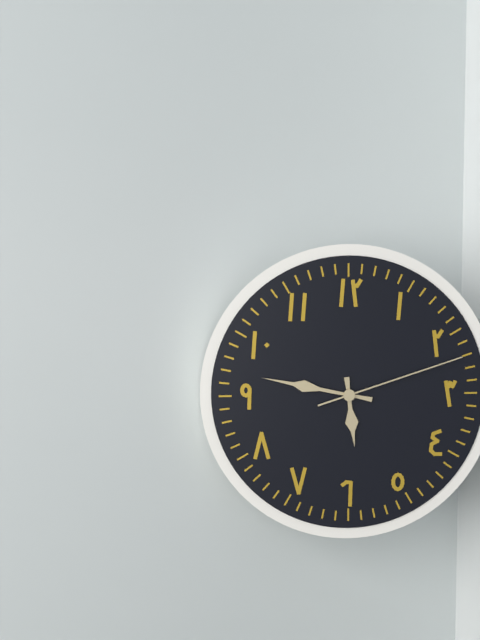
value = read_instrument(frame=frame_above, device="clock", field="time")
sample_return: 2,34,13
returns 5,47,12
